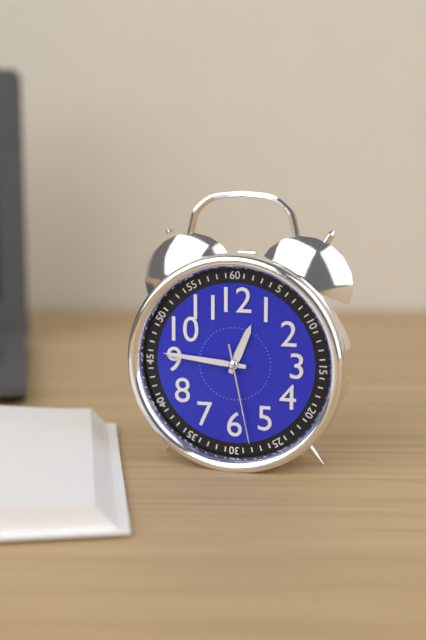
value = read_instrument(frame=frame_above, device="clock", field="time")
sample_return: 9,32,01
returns 12,46,28
